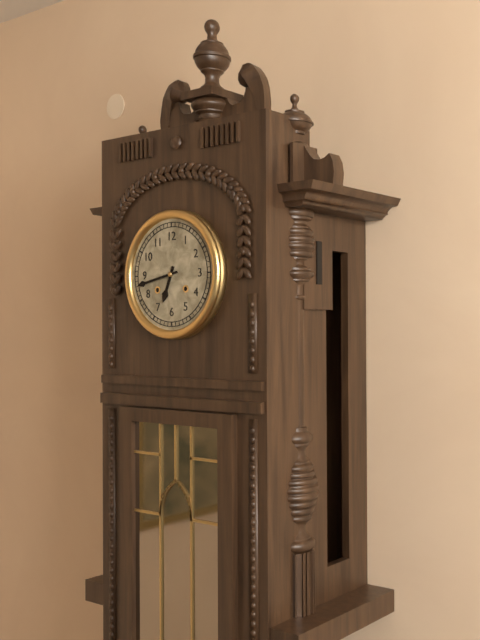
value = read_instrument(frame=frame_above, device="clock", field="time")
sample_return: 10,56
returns 6,43
